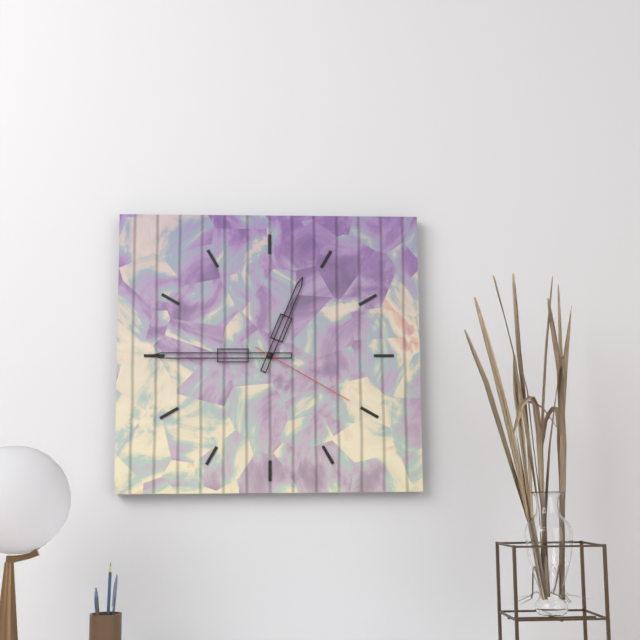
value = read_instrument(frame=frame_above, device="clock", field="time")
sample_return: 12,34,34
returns 12,45,20
